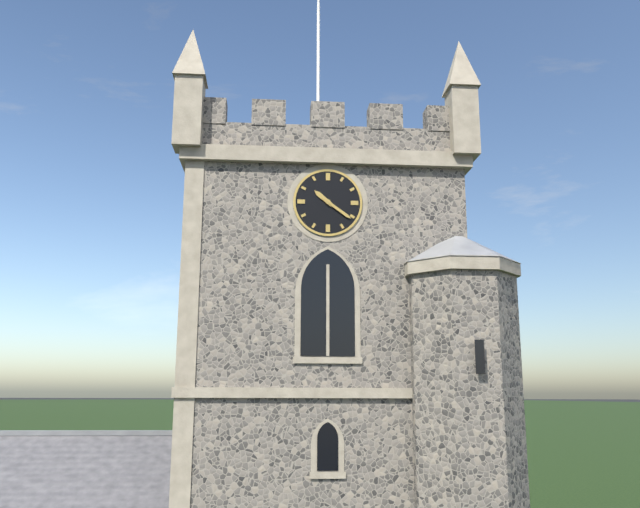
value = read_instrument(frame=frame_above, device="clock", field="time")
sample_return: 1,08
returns 10,21
